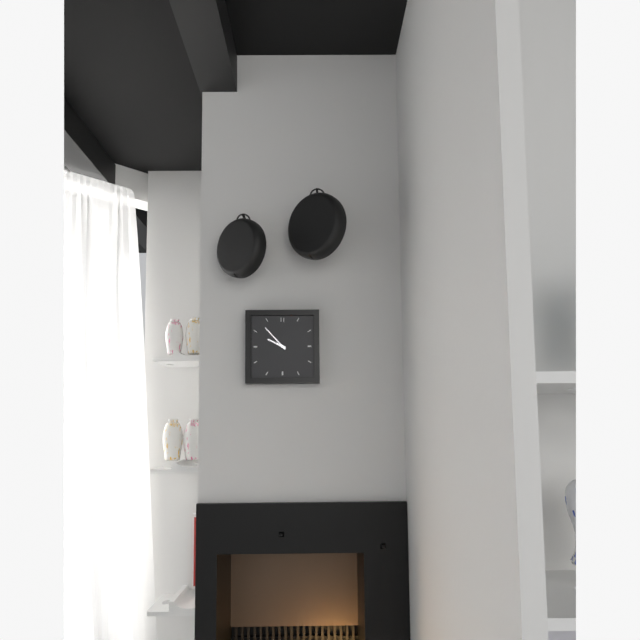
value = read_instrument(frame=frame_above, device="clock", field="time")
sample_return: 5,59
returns 9,53
